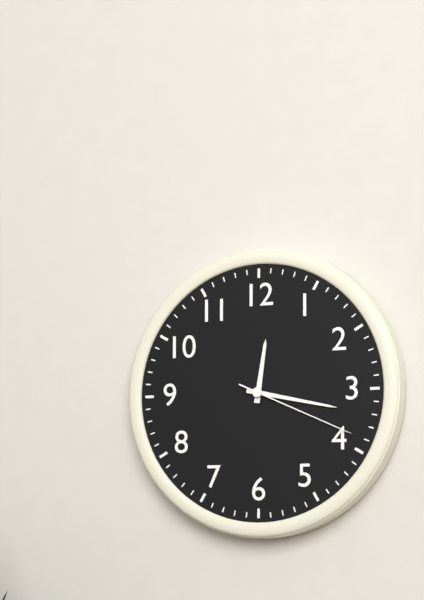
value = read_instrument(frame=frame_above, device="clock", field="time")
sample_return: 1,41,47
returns 12,17,19
